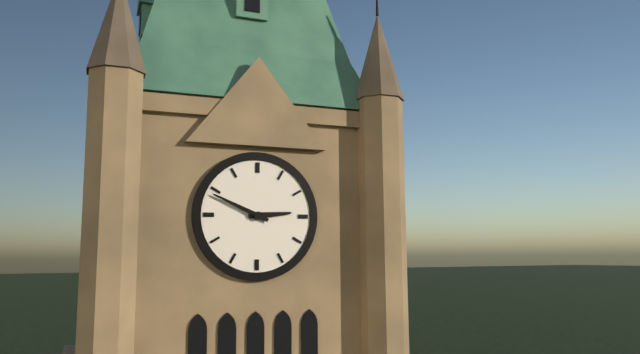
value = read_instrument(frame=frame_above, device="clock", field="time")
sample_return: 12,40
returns 2,49
